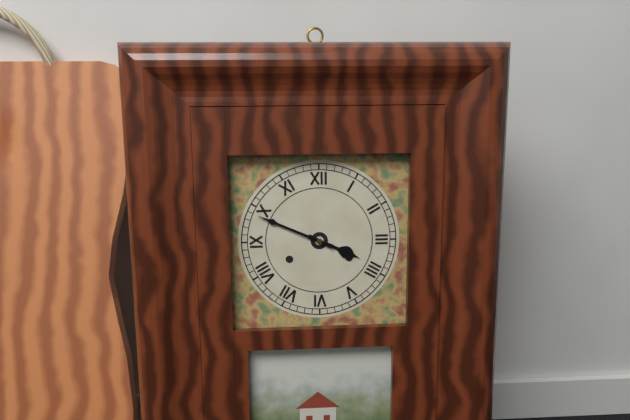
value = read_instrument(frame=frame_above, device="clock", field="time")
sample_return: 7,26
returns 3,49
